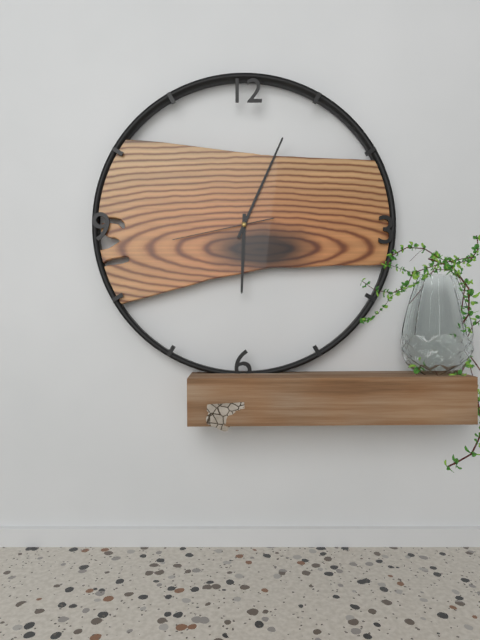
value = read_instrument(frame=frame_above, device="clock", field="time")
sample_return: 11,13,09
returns 6,04,43
